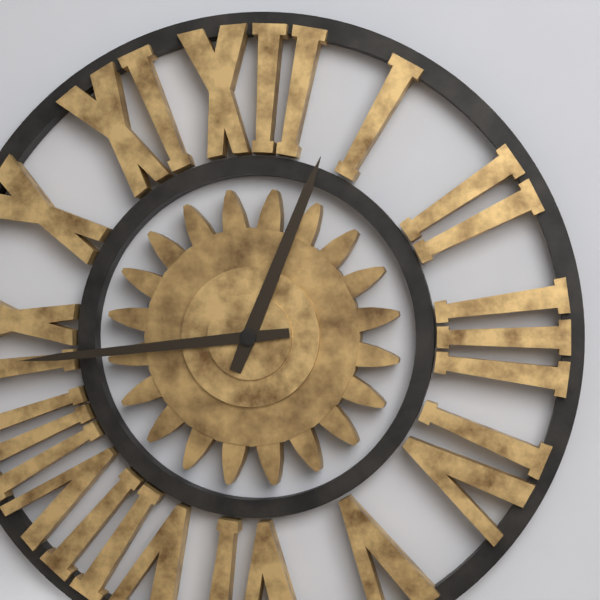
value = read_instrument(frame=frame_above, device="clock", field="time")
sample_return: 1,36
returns 12,44
